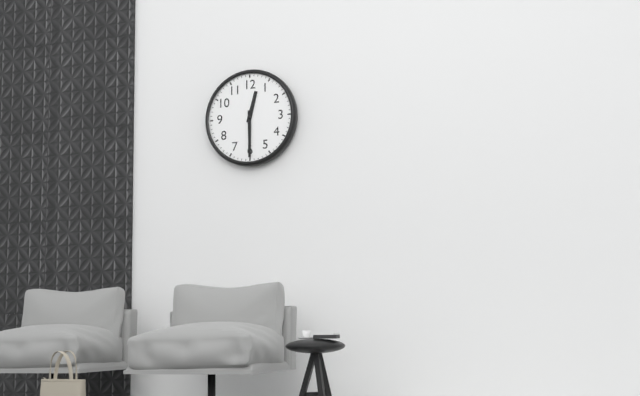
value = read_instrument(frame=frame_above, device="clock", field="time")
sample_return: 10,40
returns 12,30
